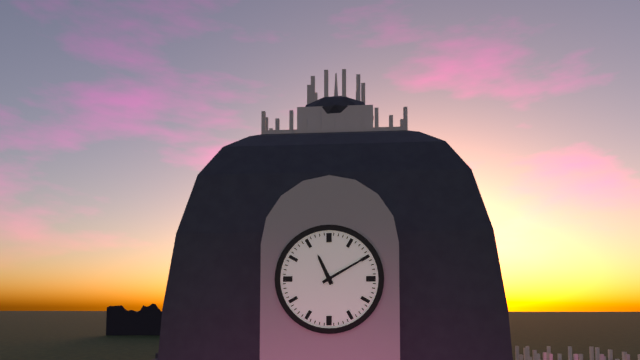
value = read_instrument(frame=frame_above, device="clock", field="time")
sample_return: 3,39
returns 11,10
